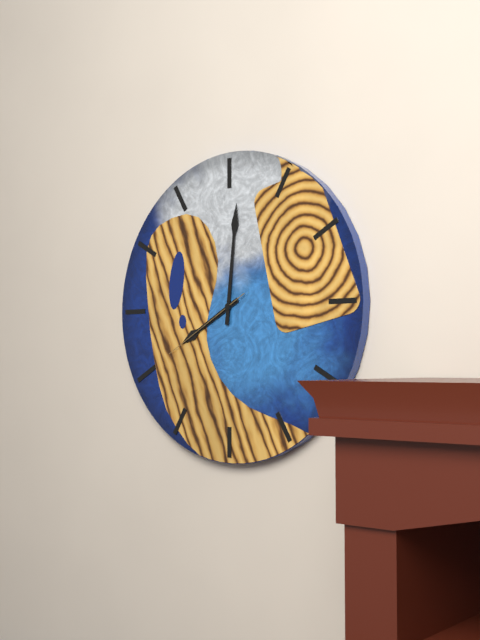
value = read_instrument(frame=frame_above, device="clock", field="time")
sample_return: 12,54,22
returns 8,01,40
